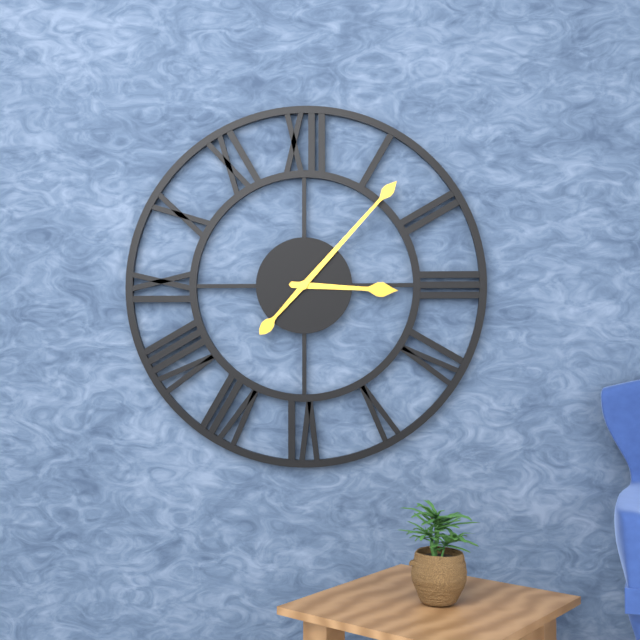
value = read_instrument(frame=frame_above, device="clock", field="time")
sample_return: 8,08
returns 3,07
